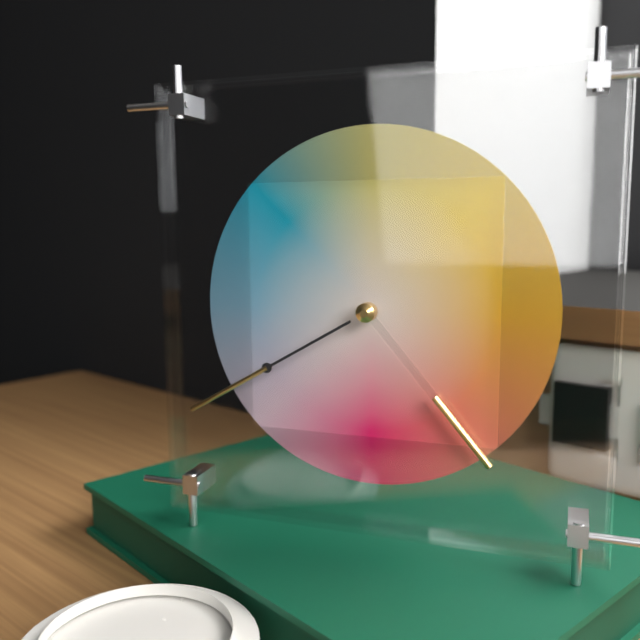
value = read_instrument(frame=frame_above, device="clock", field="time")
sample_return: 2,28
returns 4,40
